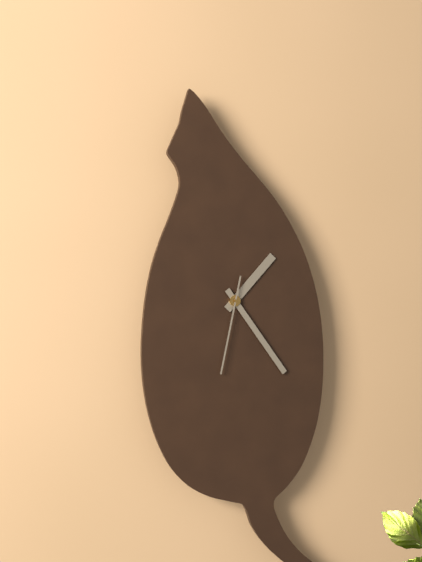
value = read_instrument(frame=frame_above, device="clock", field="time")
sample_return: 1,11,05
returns 1,24,32
